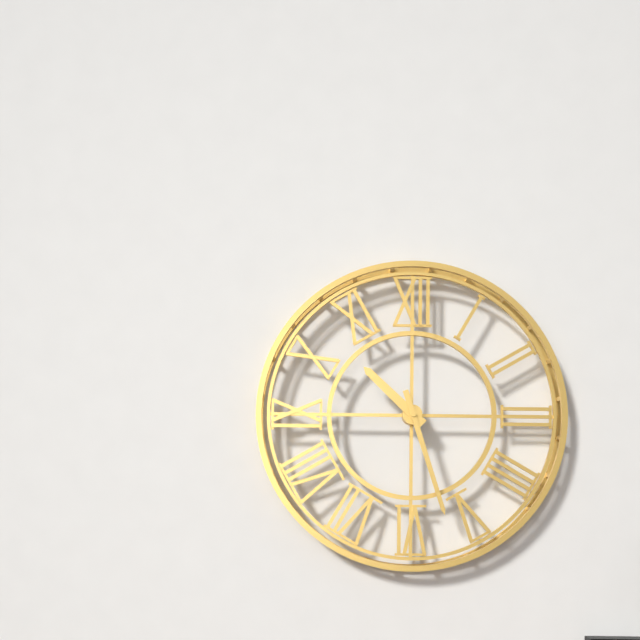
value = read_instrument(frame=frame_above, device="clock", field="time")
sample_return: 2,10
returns 10,27
